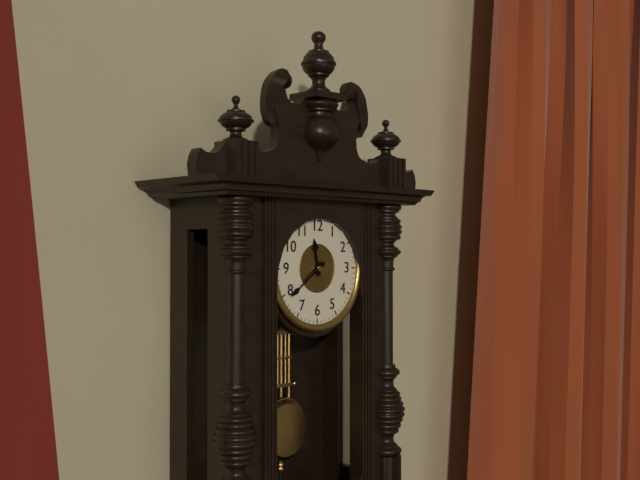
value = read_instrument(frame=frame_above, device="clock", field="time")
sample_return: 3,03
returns 11,39
